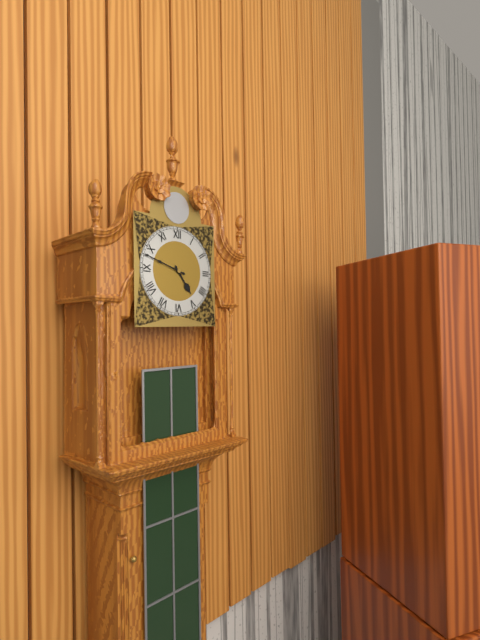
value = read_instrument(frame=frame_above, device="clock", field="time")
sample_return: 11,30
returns 4,48
